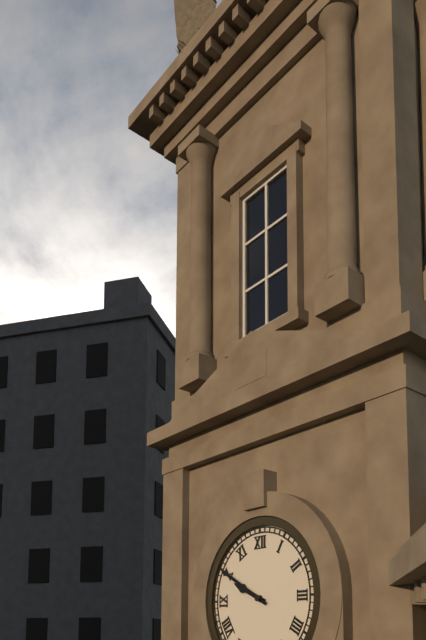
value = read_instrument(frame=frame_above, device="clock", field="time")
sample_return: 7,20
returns 9,50
